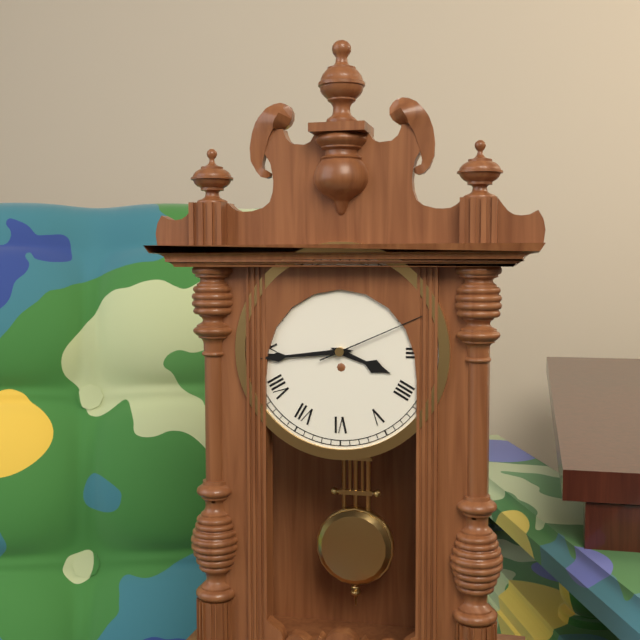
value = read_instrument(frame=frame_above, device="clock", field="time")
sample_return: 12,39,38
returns 3,44,11
